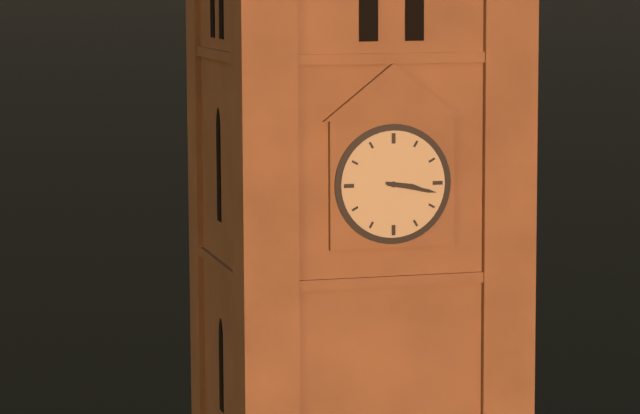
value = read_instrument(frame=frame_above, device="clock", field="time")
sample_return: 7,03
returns 3,17
